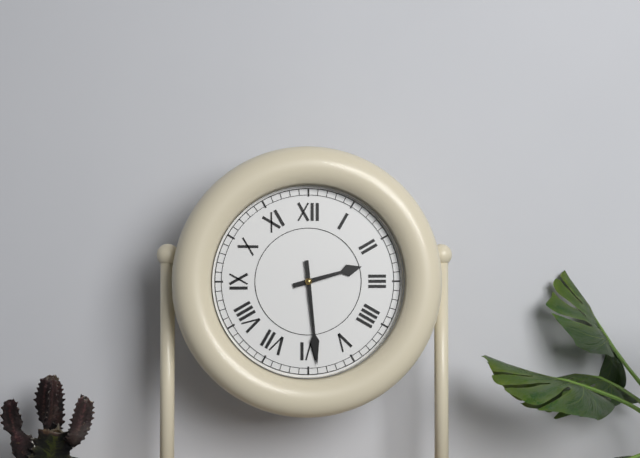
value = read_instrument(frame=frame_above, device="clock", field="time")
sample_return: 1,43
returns 2,29
